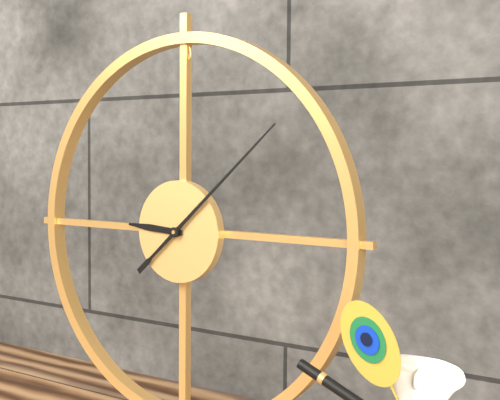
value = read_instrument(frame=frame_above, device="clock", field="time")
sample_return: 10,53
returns 9,08
